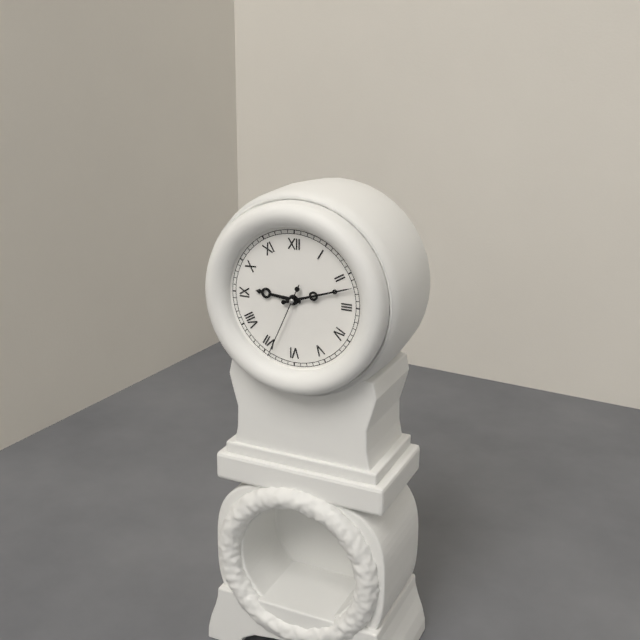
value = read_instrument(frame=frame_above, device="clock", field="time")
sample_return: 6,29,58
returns 9,12,34
